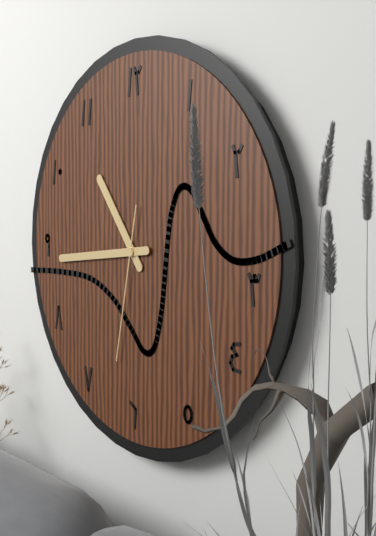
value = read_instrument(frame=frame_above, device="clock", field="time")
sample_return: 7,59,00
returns 10,44,32
